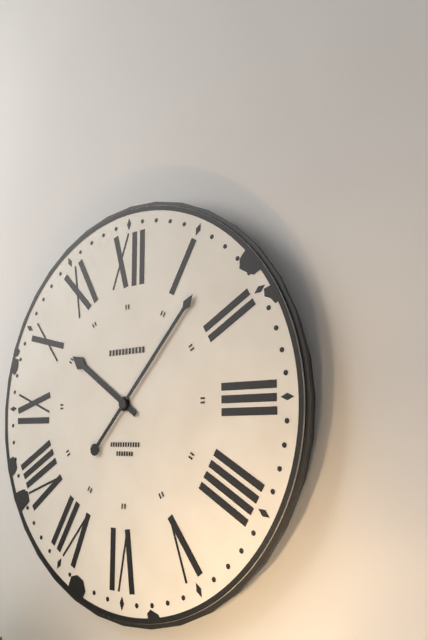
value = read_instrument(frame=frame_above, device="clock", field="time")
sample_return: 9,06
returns 10,07
